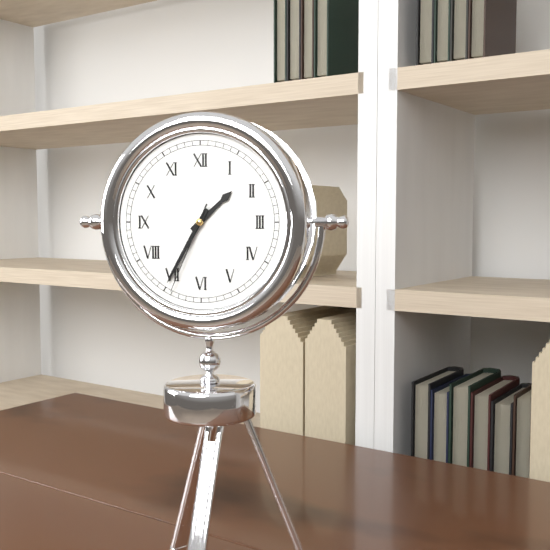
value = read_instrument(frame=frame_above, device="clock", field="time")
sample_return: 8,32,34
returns 1,35,34
